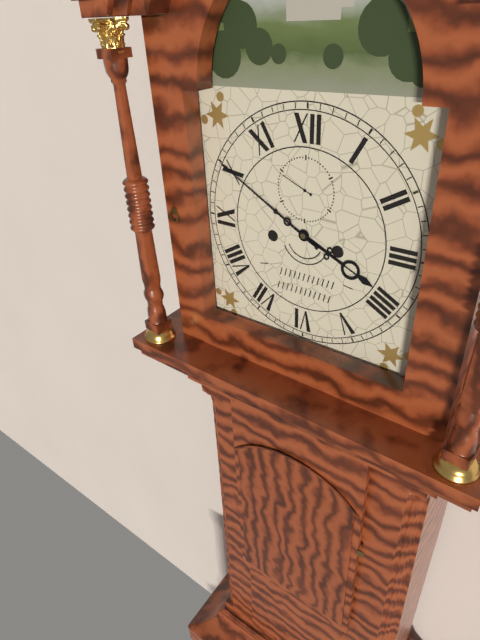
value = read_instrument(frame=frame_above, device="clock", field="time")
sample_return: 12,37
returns 3,50
